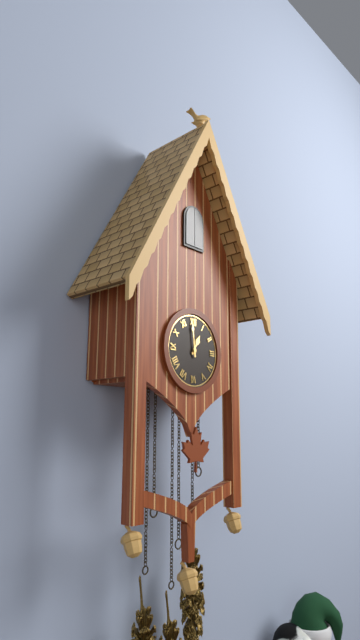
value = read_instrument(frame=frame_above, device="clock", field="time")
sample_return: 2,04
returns 12,59
